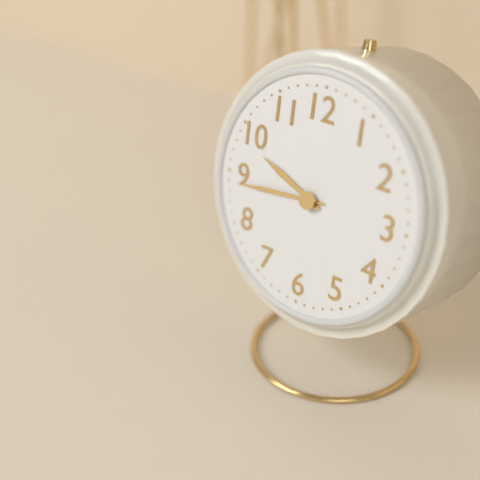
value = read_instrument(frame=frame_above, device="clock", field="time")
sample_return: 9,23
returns 9,44
